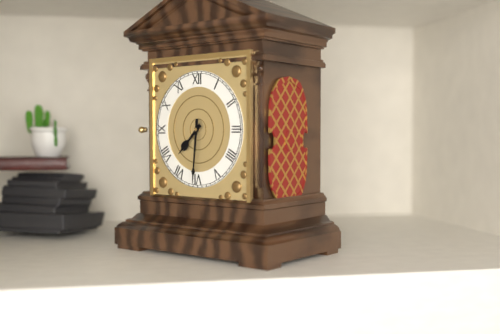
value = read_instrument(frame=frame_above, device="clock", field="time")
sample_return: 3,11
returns 7,31
